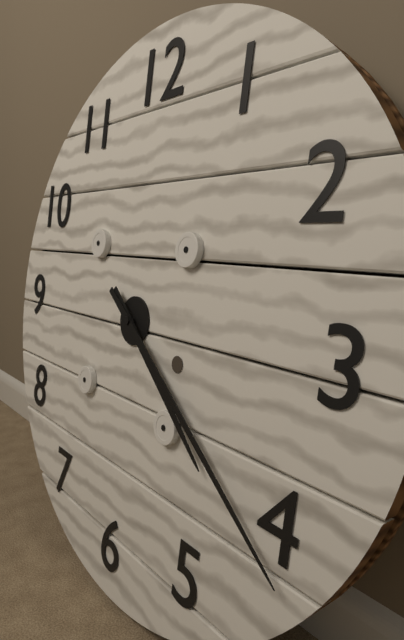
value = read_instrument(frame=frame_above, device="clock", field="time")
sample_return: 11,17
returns 4,21
